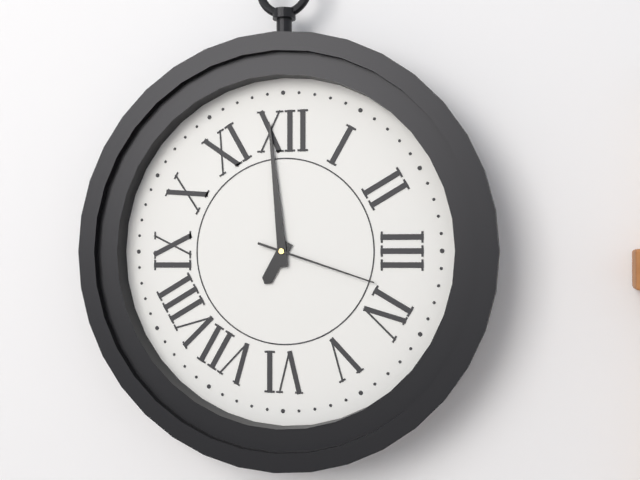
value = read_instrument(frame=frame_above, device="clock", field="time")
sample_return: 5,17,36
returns 6,59,18
